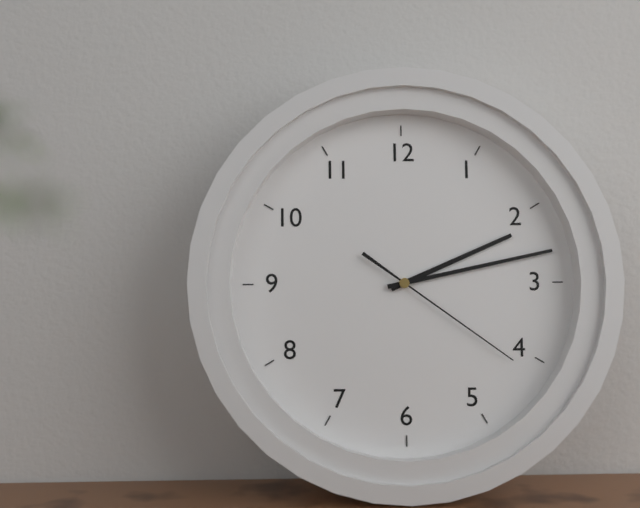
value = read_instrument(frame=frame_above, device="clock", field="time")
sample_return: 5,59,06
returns 2,13,21
